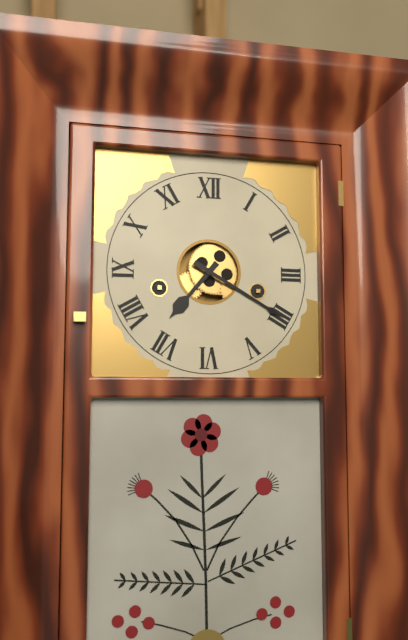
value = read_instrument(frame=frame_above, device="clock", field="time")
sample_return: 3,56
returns 7,20
